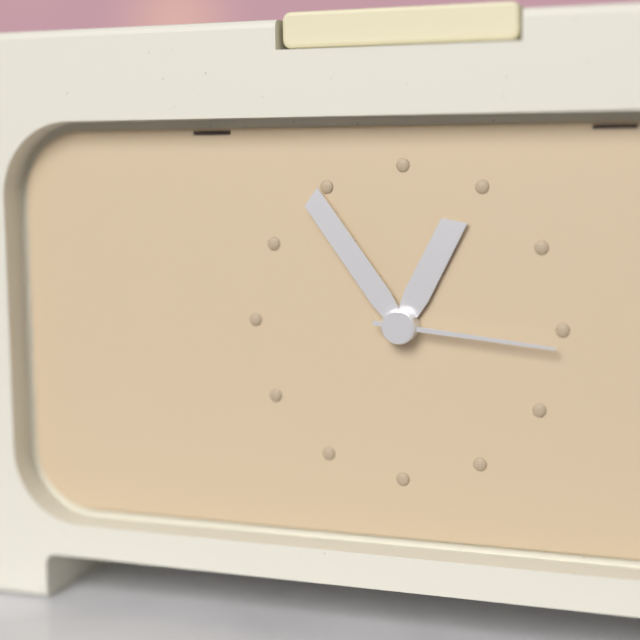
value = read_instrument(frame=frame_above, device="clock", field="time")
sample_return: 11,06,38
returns 12,54,16
